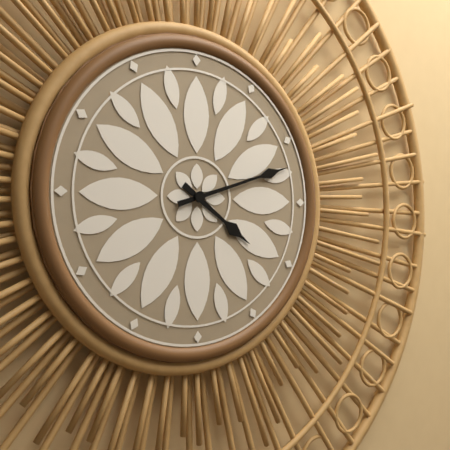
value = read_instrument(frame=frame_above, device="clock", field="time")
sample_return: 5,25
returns 4,12
